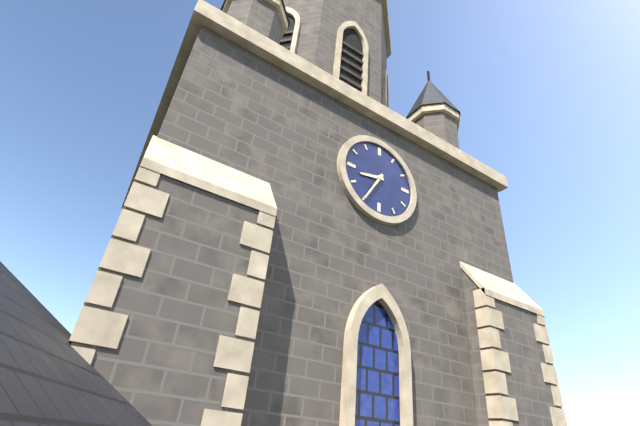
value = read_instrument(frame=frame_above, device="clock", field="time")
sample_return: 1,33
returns 8,35
